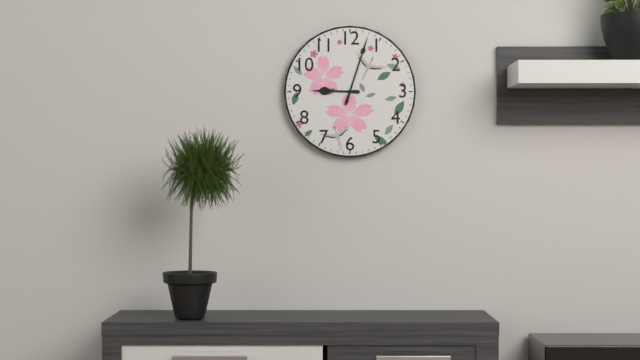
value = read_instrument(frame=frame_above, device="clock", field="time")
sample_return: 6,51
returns 9,03
